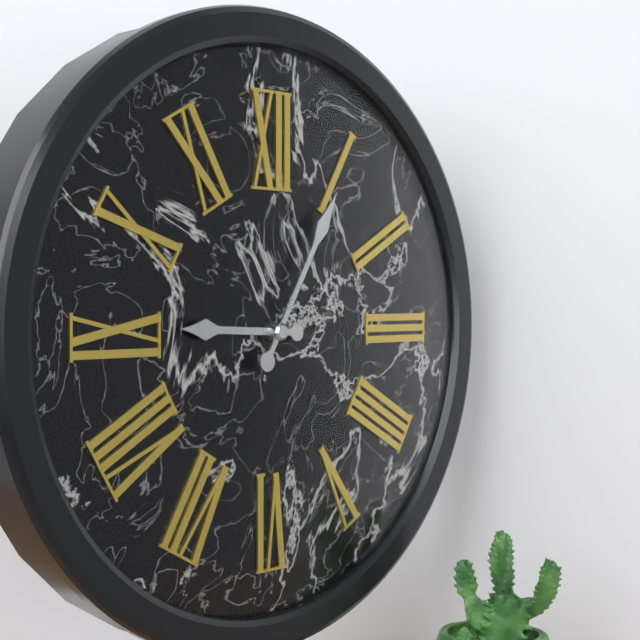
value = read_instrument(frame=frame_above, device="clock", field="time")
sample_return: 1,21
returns 9,05
